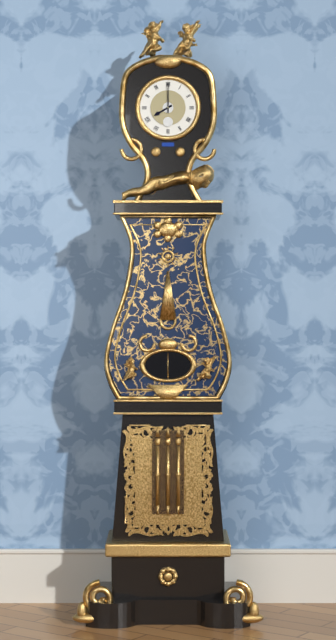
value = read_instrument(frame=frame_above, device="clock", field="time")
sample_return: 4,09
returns 8,00
